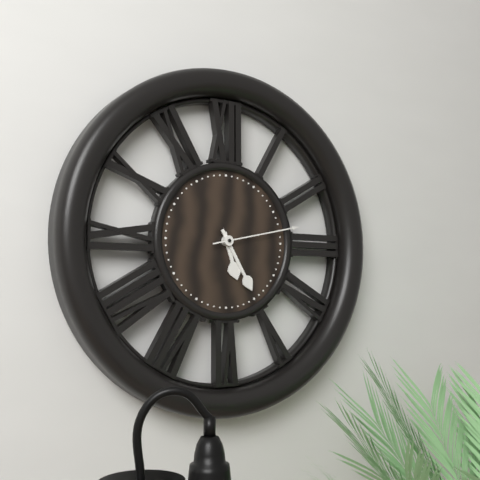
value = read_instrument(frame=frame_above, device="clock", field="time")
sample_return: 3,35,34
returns 5,25,13
